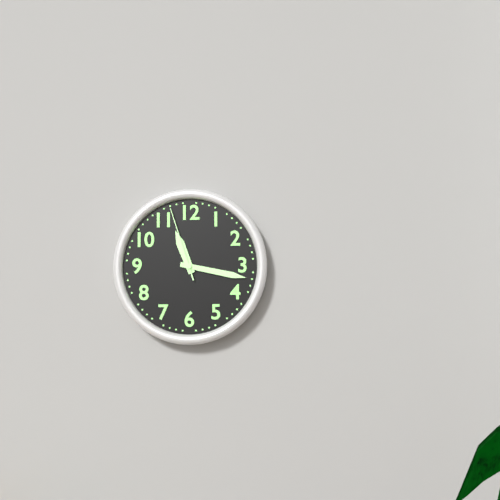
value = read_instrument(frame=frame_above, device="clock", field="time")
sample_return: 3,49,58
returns 11,17,57
